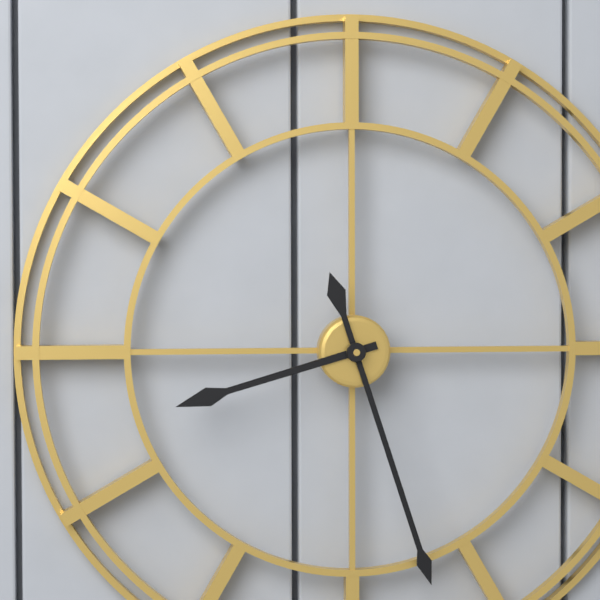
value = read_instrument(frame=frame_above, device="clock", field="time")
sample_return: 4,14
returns 8,27
